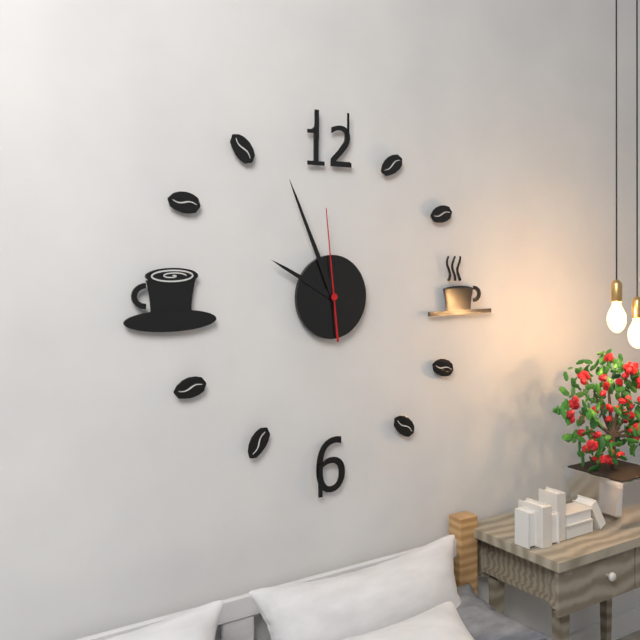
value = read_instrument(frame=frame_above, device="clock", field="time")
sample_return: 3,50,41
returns 9,56,59
